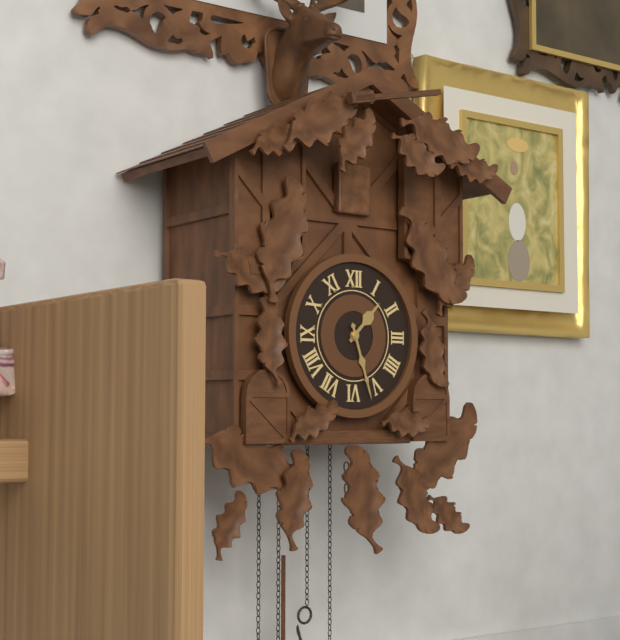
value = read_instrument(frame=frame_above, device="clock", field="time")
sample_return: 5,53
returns 1,27
